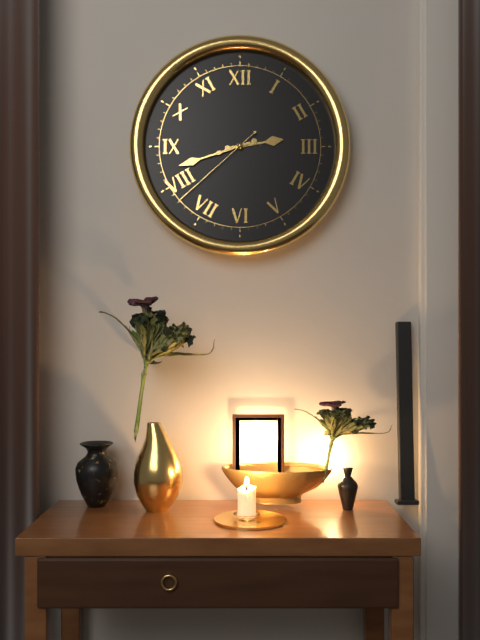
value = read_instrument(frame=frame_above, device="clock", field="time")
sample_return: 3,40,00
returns 2,42,38
